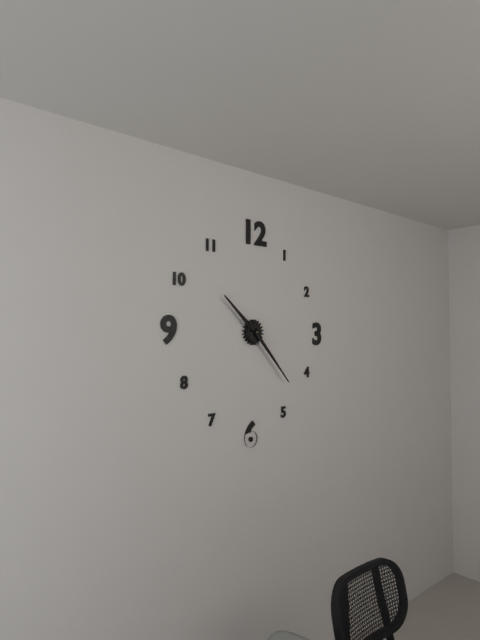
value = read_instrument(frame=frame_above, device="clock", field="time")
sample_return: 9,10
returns 10,23
